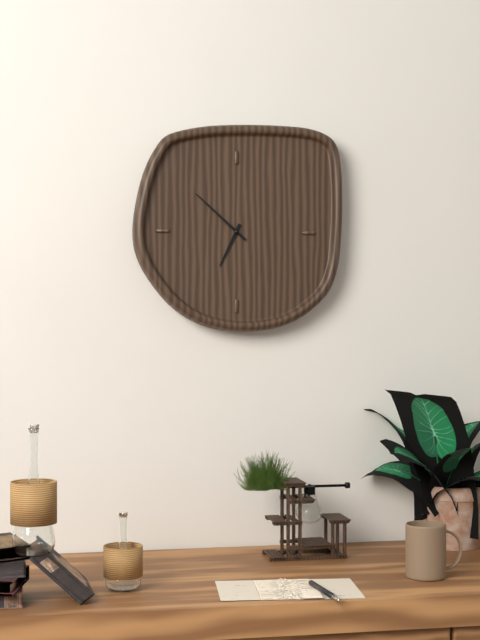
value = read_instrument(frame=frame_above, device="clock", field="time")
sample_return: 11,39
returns 6,52
